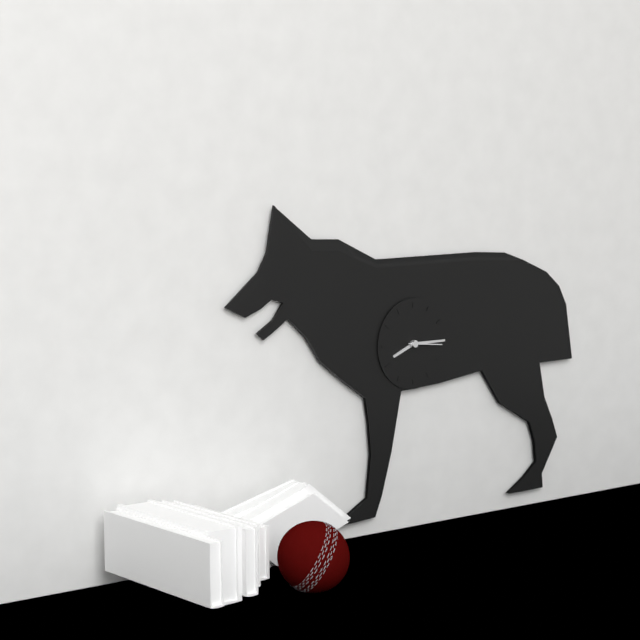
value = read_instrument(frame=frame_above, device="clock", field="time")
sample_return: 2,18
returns 8,15
